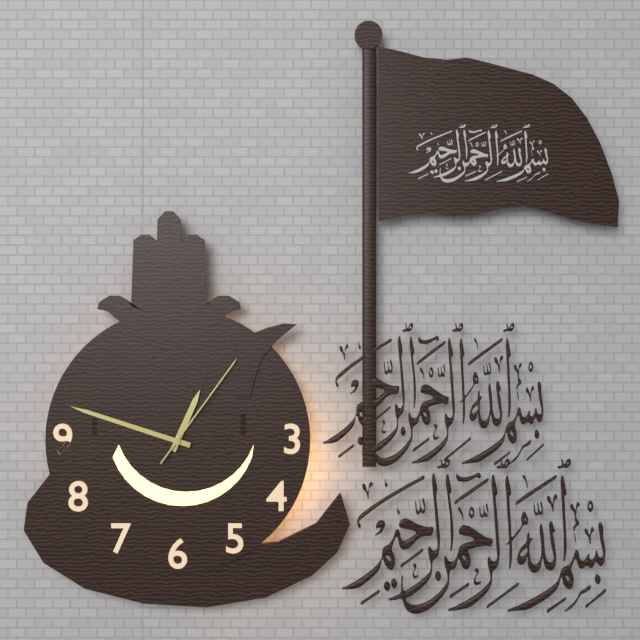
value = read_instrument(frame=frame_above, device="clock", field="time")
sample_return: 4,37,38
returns 12,48,06
